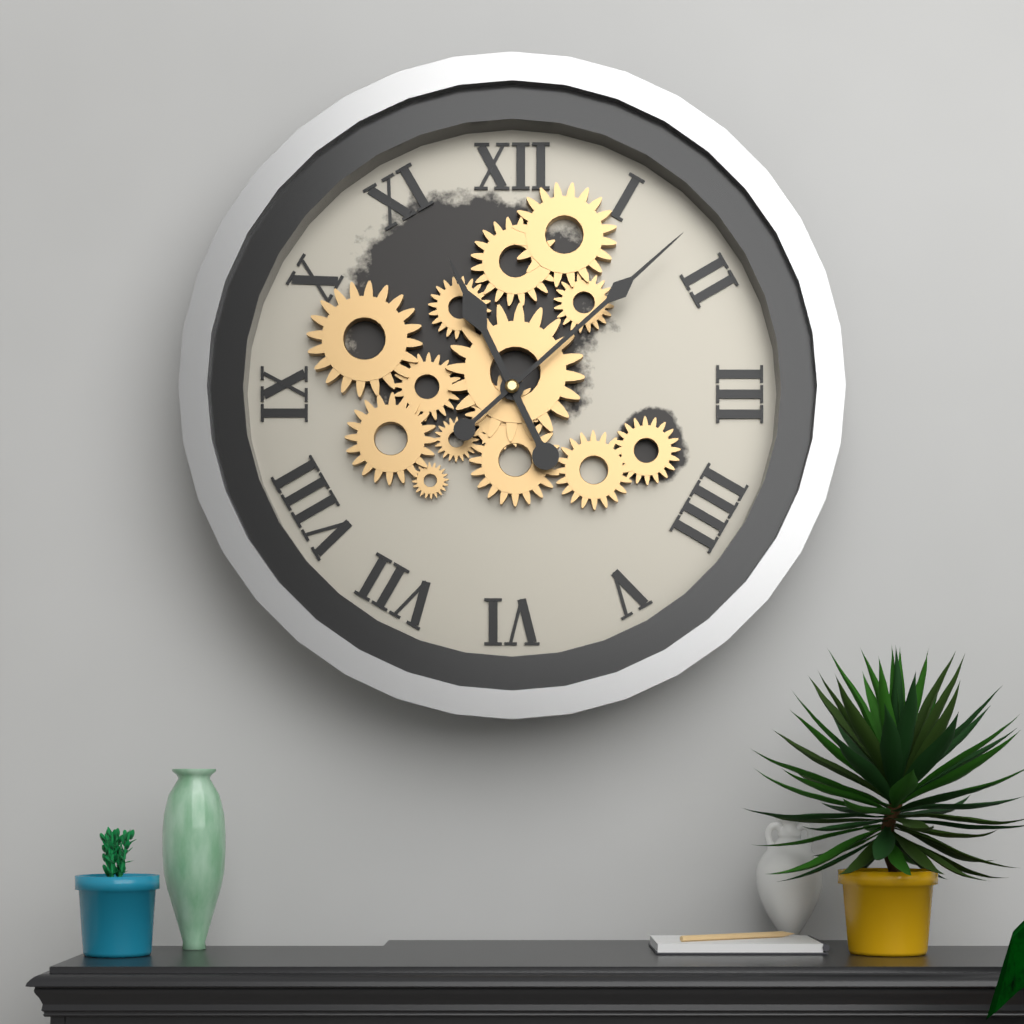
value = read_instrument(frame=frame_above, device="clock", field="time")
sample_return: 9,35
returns 11,08
